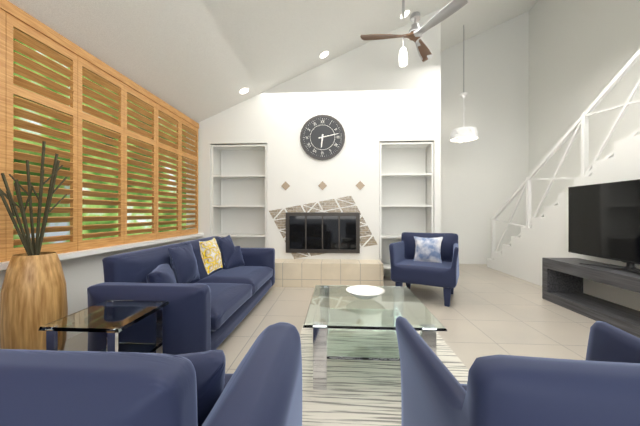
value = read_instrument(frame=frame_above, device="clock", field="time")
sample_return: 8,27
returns 6,13
